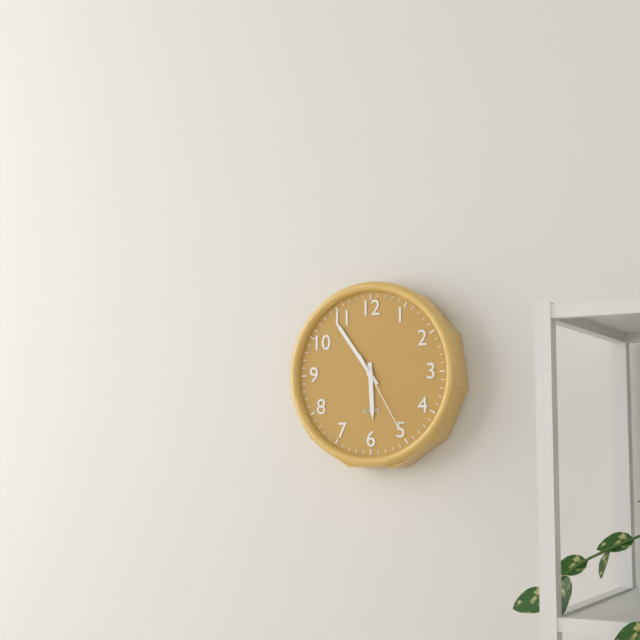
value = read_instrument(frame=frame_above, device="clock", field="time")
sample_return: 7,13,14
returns 5,54,25
